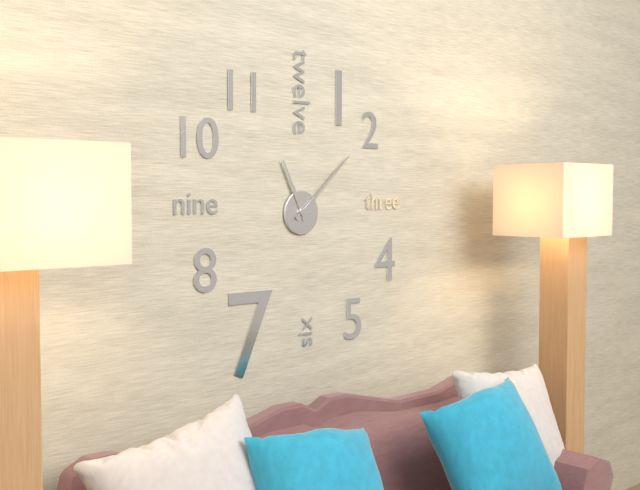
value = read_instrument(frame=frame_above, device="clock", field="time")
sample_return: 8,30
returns 11,08
